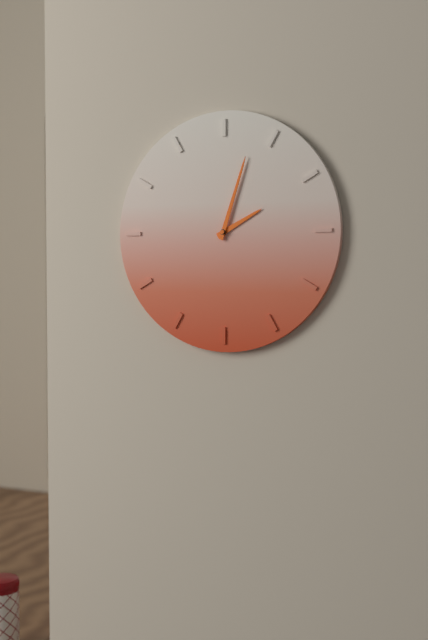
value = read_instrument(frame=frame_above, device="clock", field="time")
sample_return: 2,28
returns 2,03
